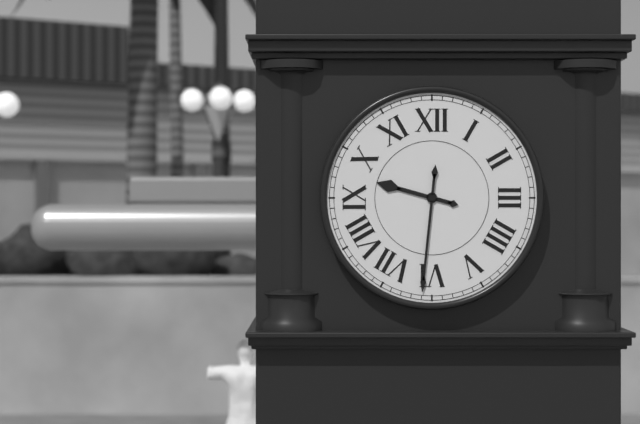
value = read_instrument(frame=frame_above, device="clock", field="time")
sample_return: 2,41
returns 9,31
